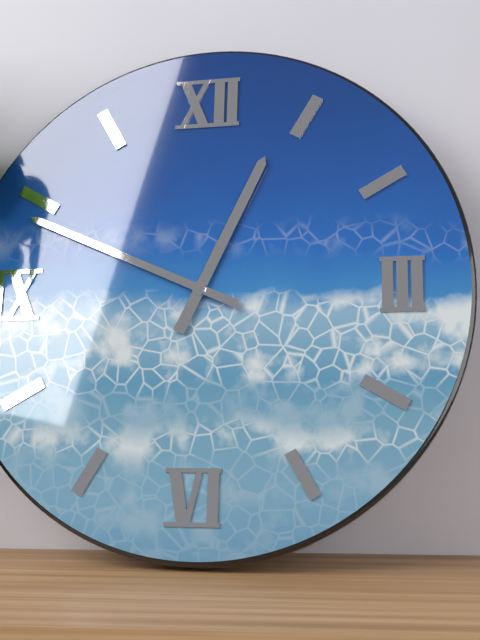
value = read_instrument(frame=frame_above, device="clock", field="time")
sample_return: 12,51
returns 12,49
